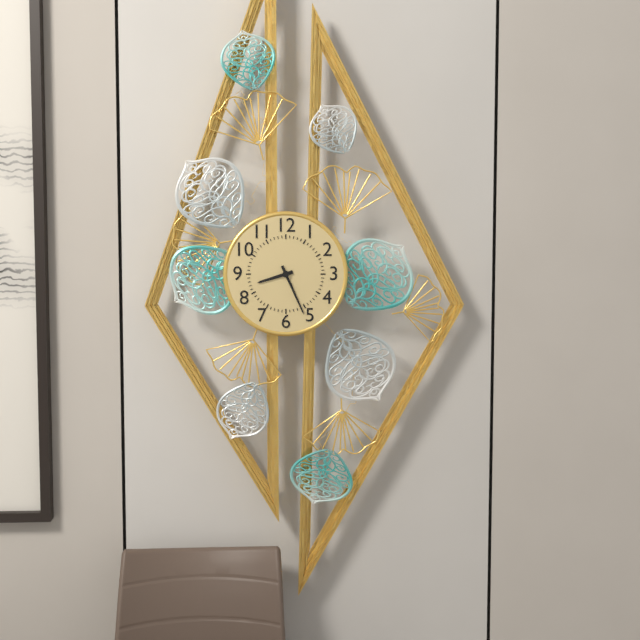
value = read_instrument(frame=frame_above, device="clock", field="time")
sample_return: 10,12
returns 8,26
